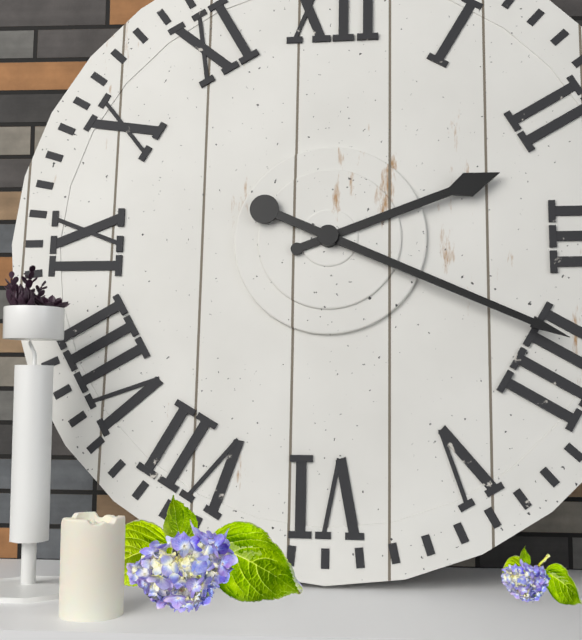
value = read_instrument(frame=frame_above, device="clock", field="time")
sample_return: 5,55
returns 2,19
